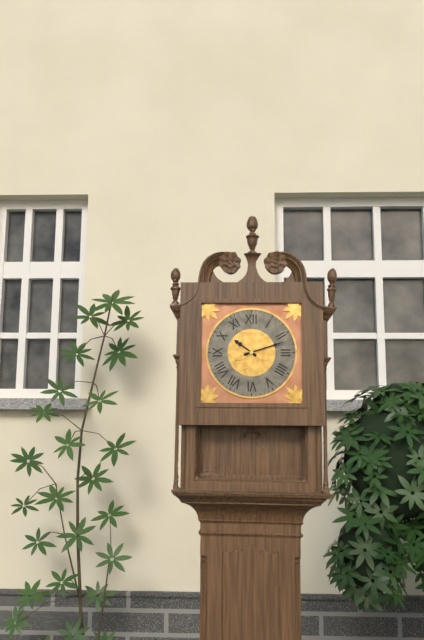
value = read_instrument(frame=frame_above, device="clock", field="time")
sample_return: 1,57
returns 10,12
